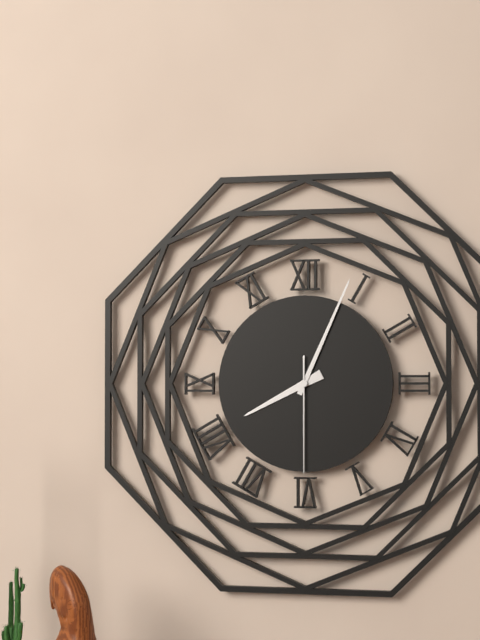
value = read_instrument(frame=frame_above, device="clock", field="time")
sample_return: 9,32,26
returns 8,04,30
